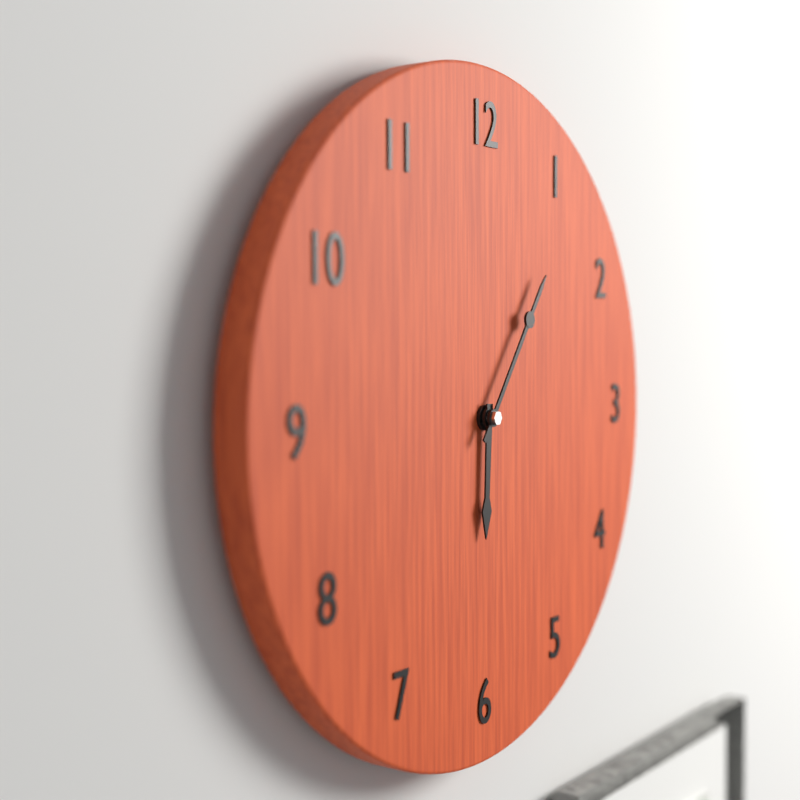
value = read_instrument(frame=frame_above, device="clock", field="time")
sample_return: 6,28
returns 6,06
